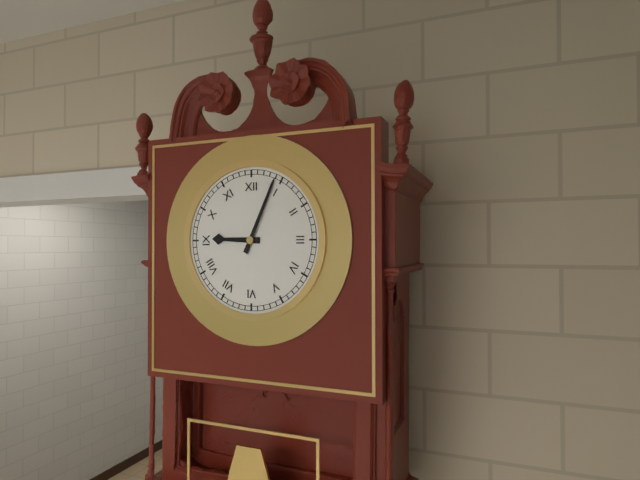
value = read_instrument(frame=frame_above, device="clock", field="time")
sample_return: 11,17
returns 9,04
